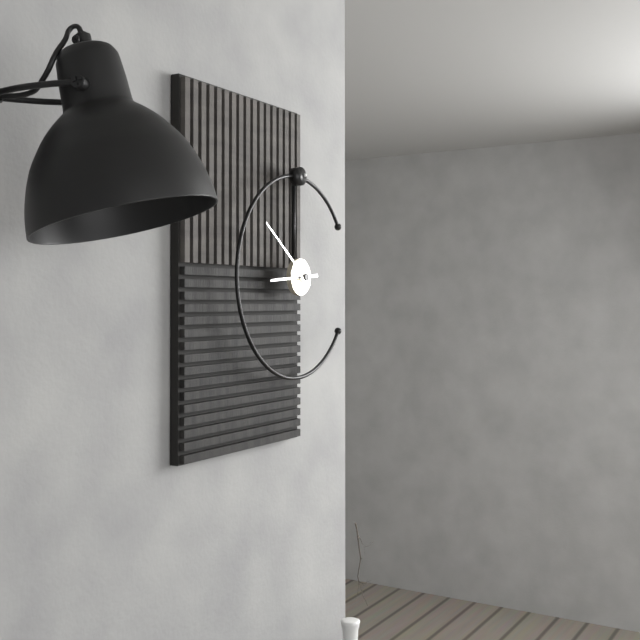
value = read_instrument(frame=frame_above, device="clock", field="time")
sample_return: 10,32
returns 8,51
